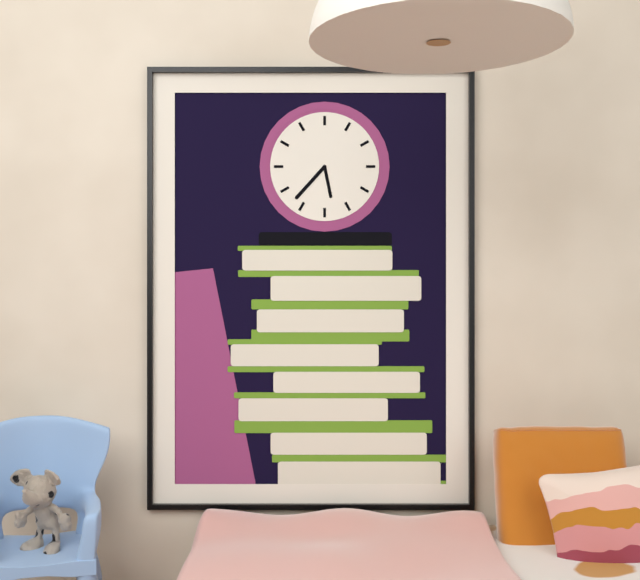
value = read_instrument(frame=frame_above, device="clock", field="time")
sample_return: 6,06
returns 5,37
